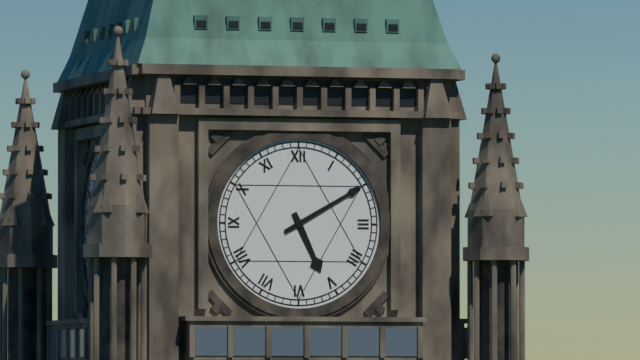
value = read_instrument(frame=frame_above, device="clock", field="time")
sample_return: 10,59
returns 5,10
